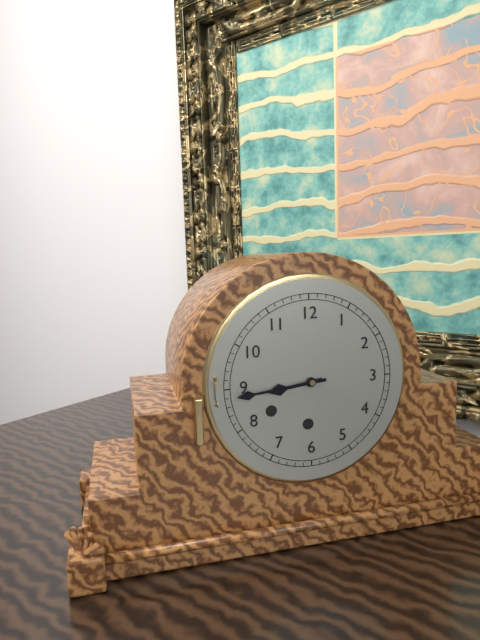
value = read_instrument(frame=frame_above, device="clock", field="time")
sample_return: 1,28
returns 8,44
